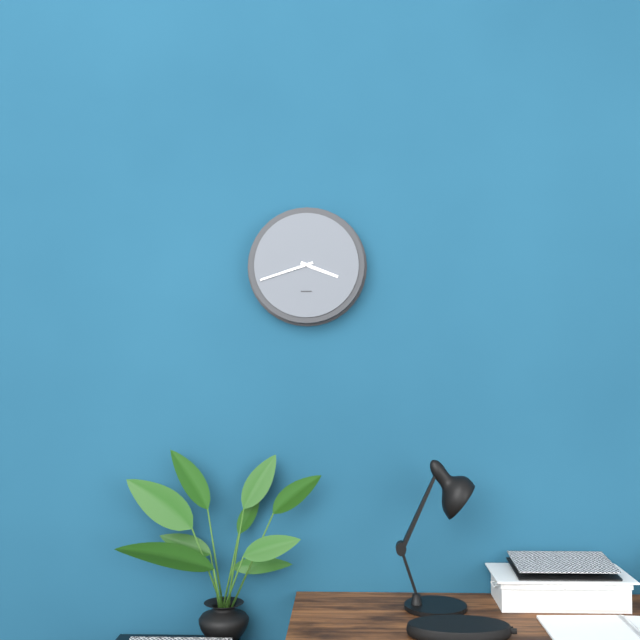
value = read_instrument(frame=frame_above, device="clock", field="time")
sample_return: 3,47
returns 3,42
